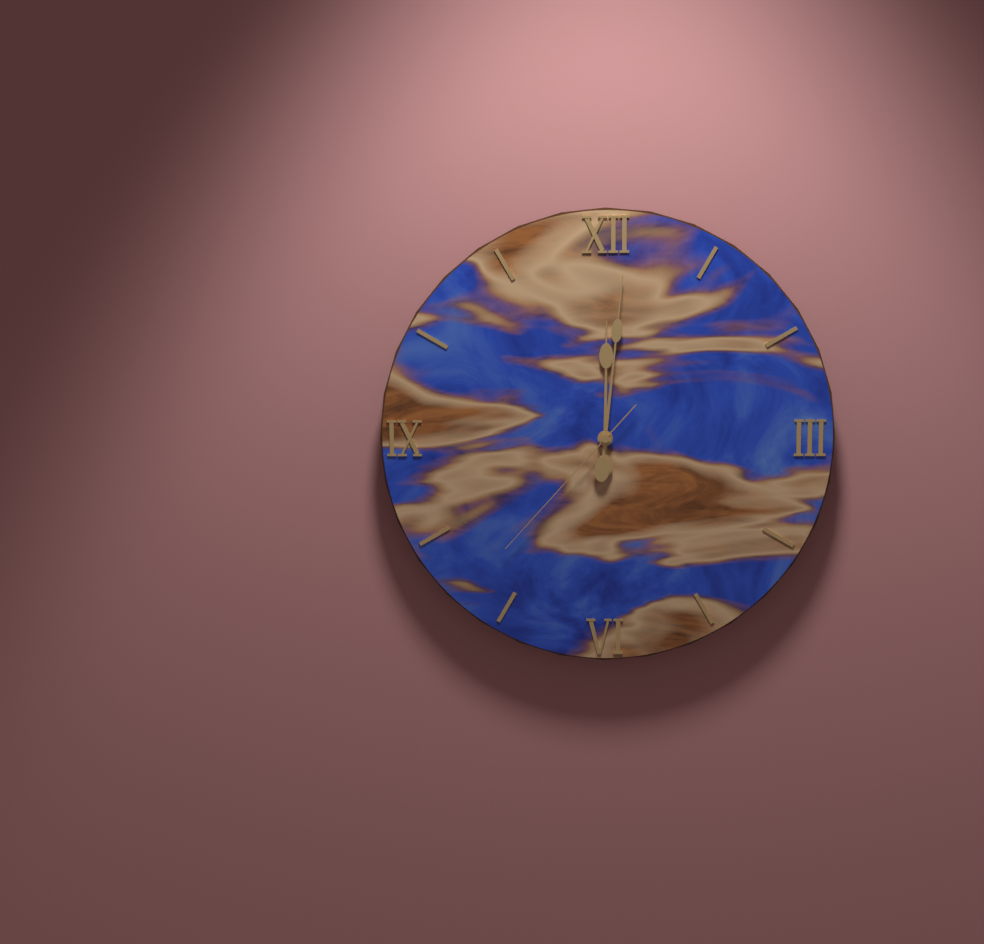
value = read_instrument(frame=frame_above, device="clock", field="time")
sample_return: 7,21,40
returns 12,01,37
